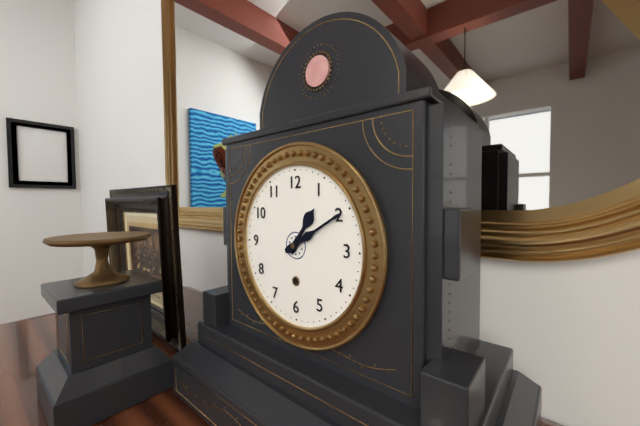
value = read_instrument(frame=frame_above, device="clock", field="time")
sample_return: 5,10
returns 1,10
